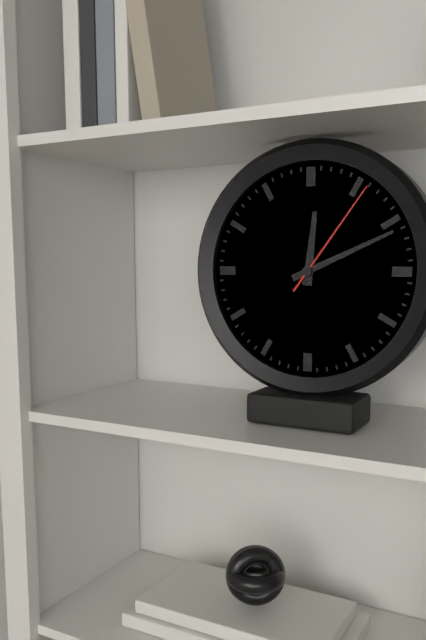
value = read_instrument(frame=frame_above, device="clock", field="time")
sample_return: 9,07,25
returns 12,11,06
